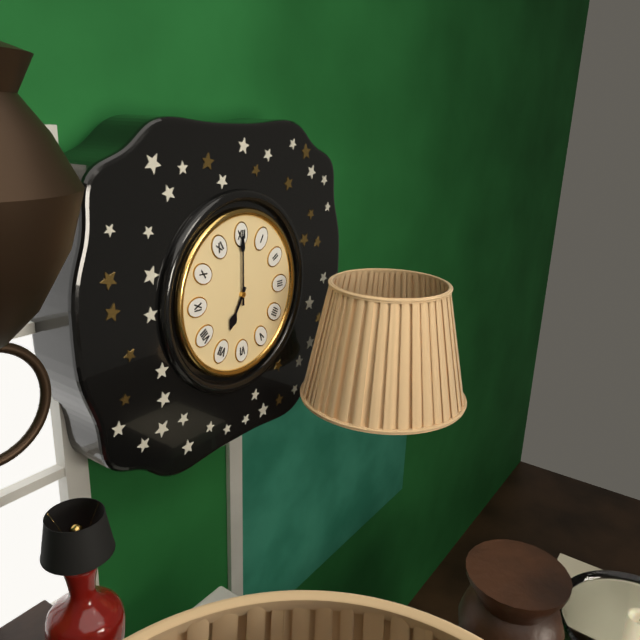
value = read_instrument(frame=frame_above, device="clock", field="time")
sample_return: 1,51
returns 7,00
